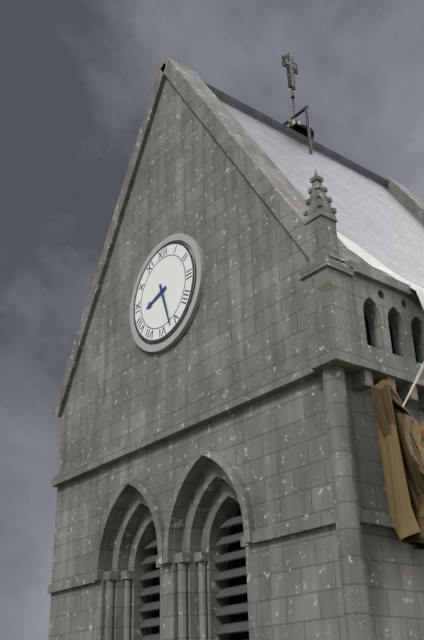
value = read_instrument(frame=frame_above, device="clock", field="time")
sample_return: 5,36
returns 8,27
